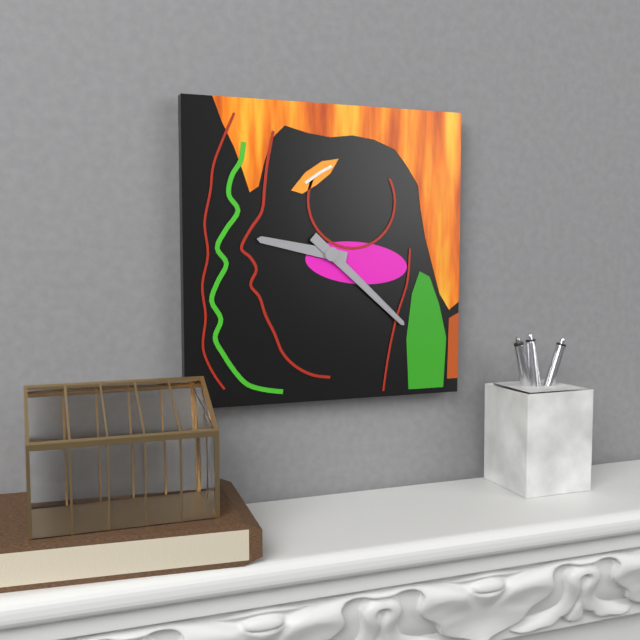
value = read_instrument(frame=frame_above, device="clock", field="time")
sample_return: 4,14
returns 9,22
